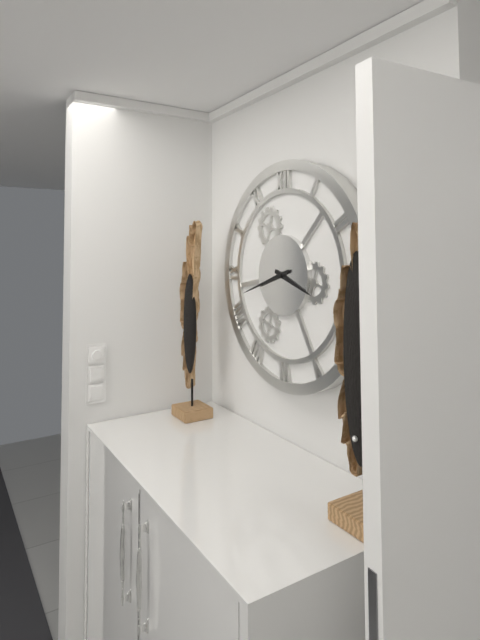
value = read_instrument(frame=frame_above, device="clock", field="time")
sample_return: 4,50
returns 3,42
